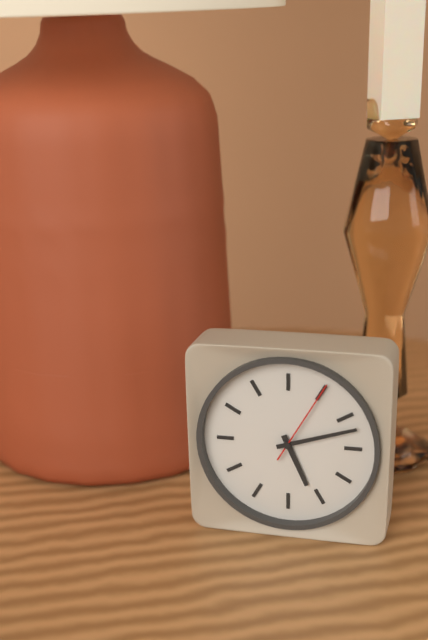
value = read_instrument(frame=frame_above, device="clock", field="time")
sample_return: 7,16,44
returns 5,12,05
